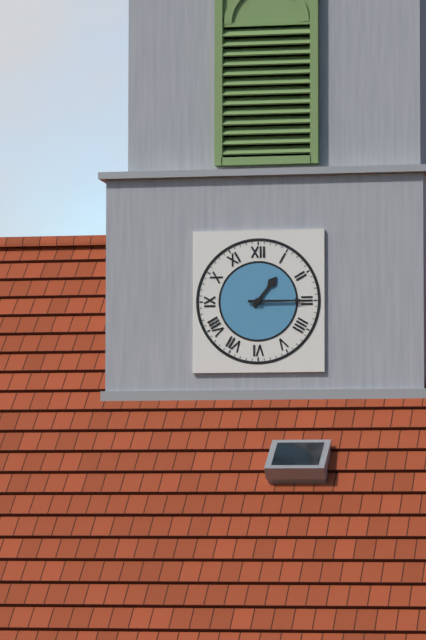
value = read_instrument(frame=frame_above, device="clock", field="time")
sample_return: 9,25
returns 1,15
